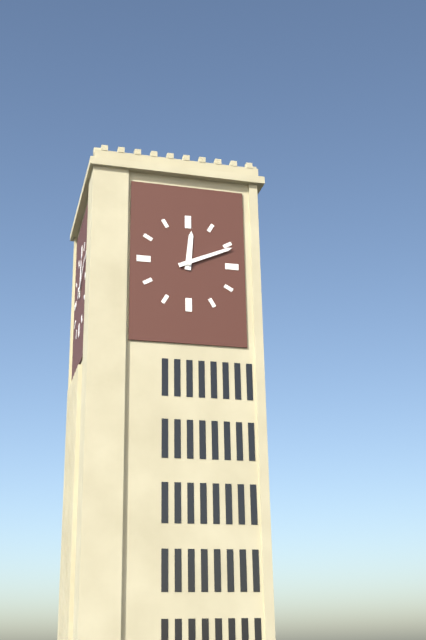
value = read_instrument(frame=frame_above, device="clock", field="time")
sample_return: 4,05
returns 12,11
